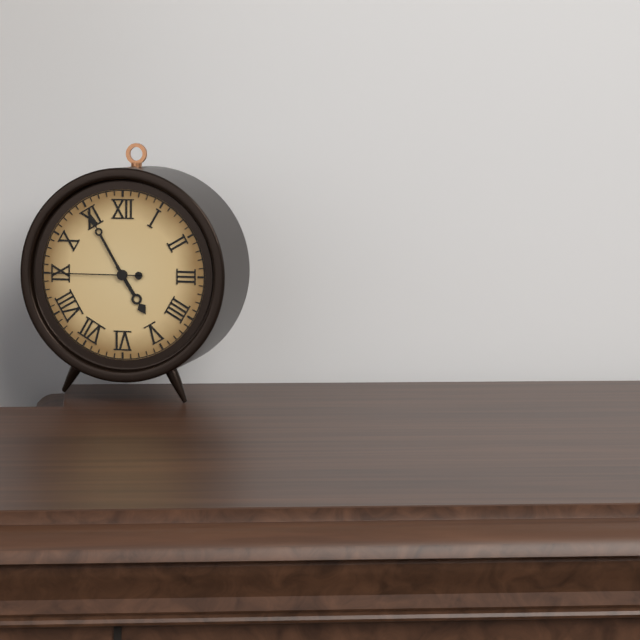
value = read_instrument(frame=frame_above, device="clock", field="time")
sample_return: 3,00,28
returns 4,55,45
